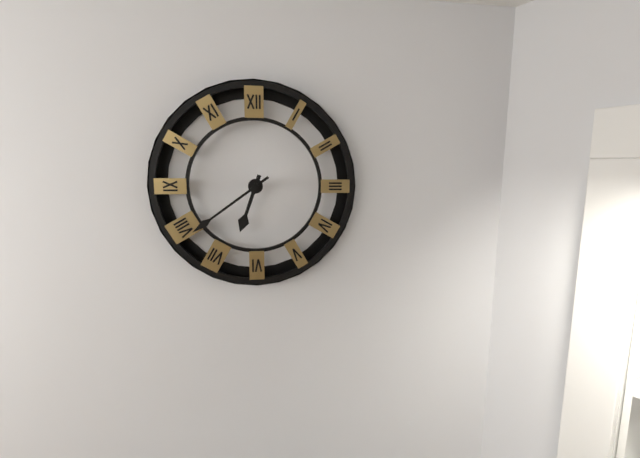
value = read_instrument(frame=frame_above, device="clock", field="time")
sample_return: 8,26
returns 6,39
